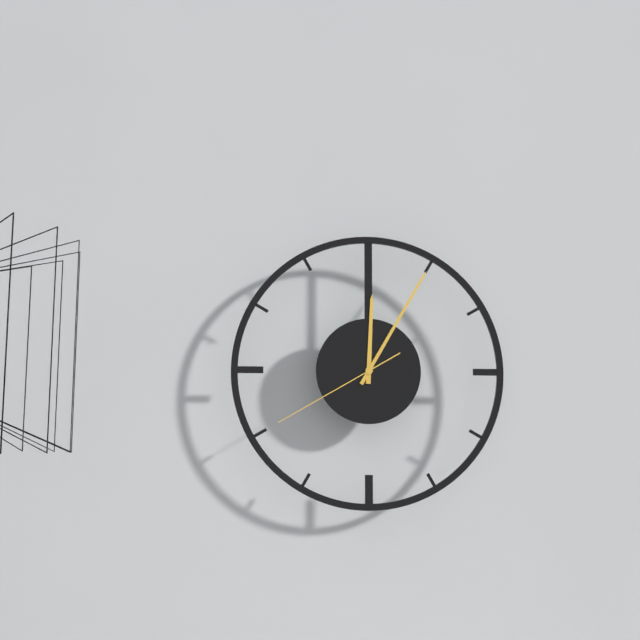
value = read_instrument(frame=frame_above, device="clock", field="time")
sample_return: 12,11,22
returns 12,05,40
